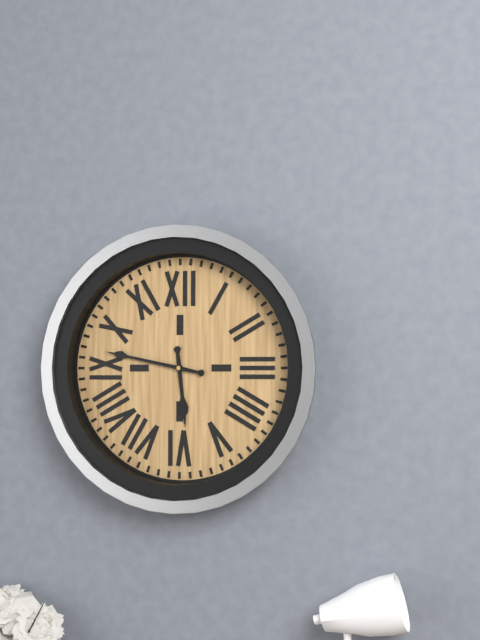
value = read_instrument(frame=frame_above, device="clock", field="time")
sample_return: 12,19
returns 5,47
